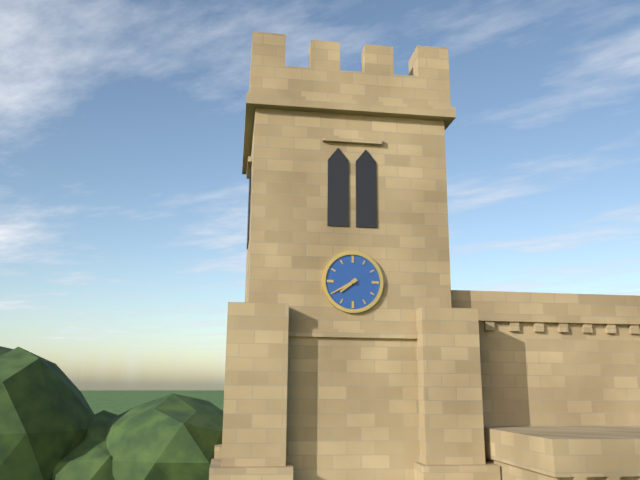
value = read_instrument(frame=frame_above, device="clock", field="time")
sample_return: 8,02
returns 7,40
